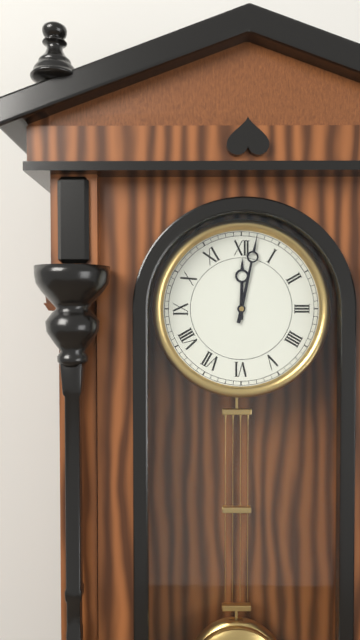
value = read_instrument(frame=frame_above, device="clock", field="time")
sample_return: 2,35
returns 12,02
